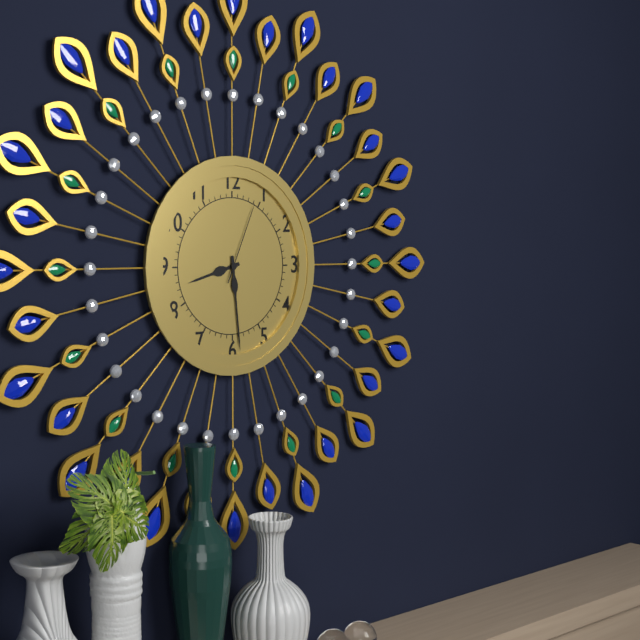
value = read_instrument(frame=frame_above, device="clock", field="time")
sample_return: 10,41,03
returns 8,29,04
